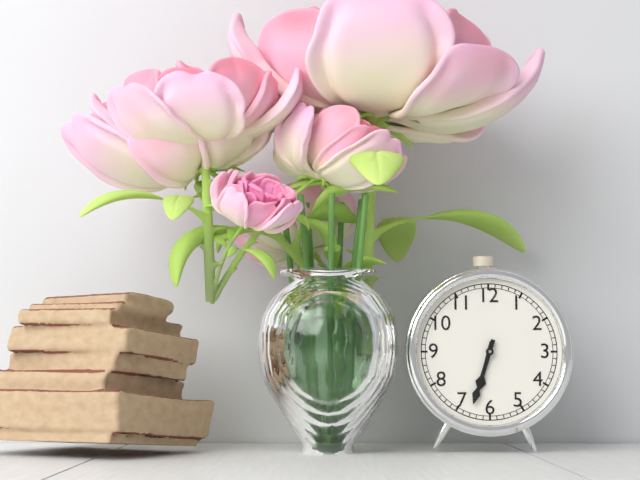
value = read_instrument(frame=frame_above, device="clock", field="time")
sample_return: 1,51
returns 6,33
